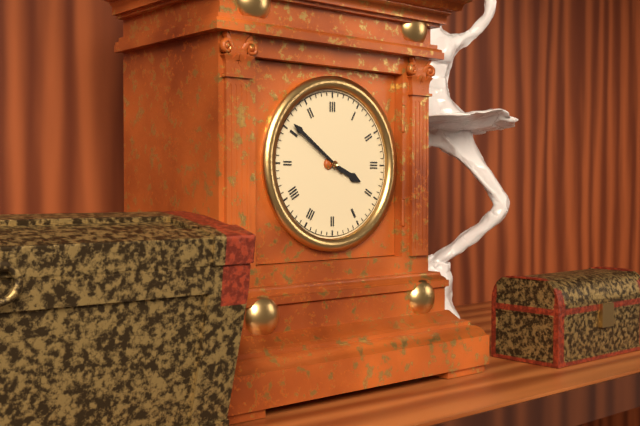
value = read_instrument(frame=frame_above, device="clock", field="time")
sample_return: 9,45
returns 3,51
